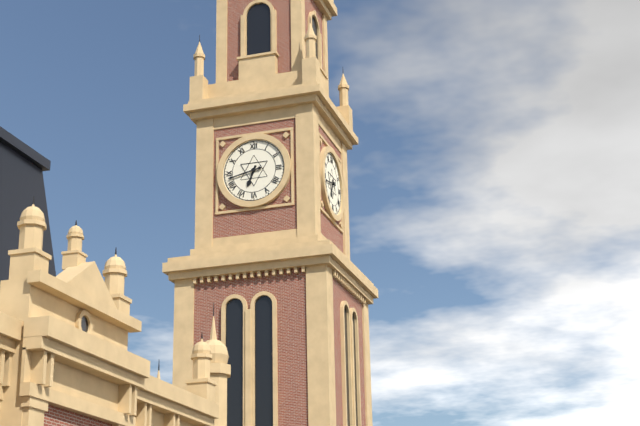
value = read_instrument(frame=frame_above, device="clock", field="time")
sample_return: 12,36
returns 6,43
